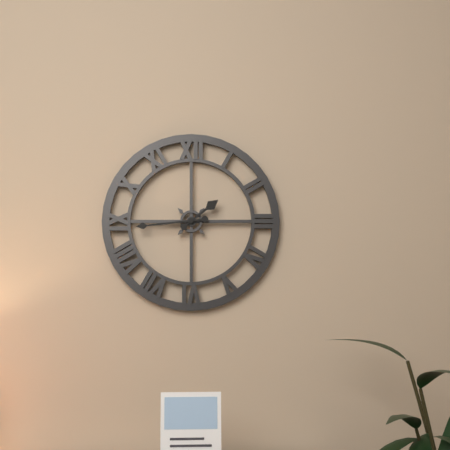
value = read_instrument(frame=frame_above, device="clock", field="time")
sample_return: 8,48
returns 1,44
